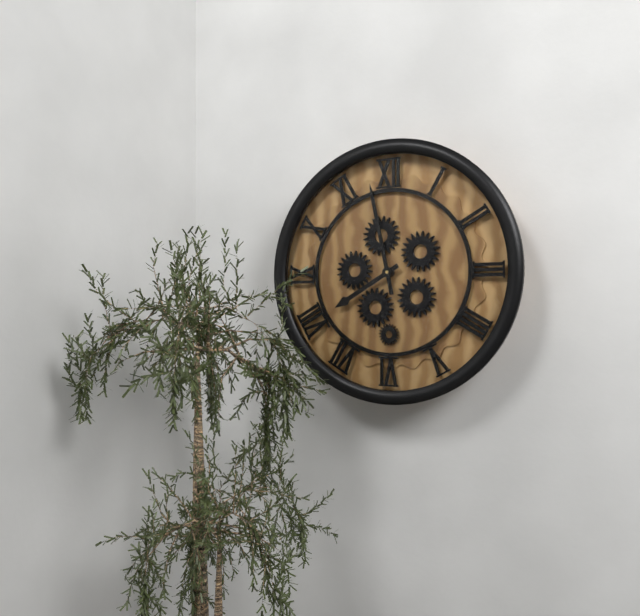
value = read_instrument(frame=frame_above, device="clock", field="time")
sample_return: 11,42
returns 7,58
